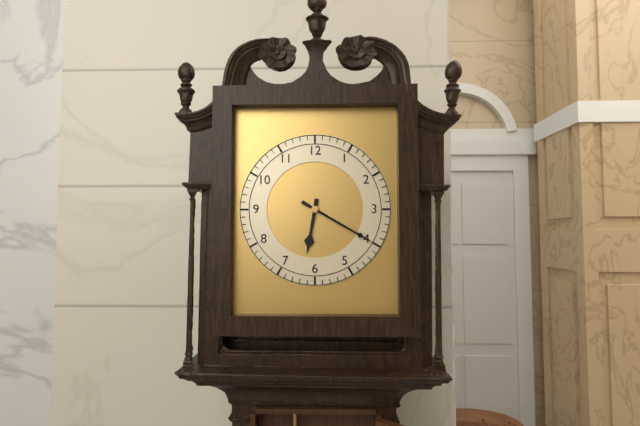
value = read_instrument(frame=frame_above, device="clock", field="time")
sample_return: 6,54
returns 6,20
